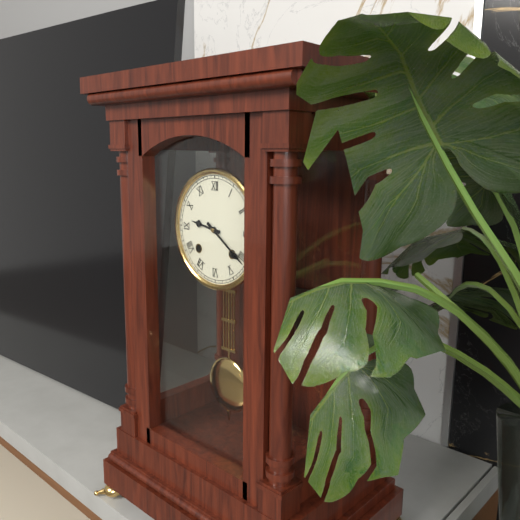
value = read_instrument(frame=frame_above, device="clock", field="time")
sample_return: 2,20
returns 9,21
